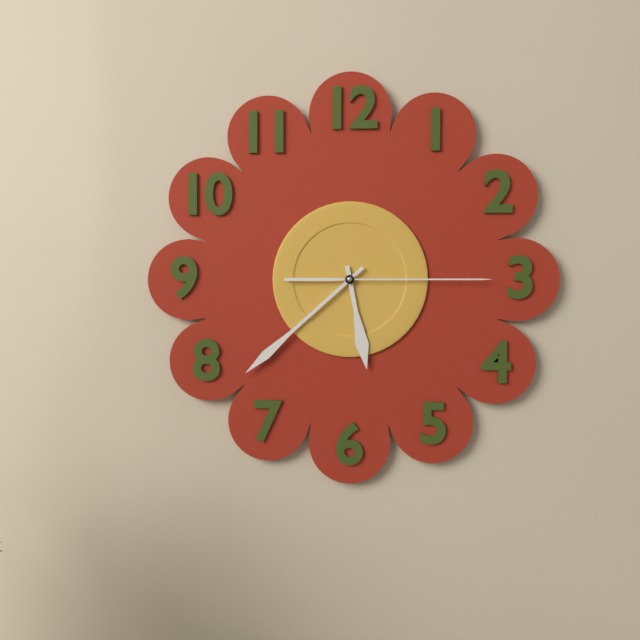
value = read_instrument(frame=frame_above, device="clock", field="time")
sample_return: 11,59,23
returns 5,38,15
